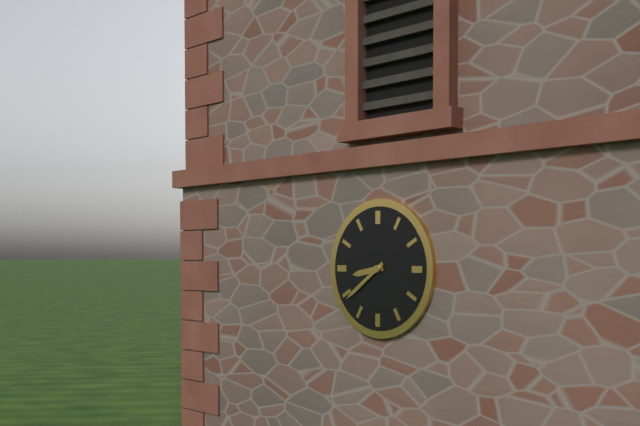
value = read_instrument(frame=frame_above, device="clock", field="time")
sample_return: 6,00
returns 8,39
